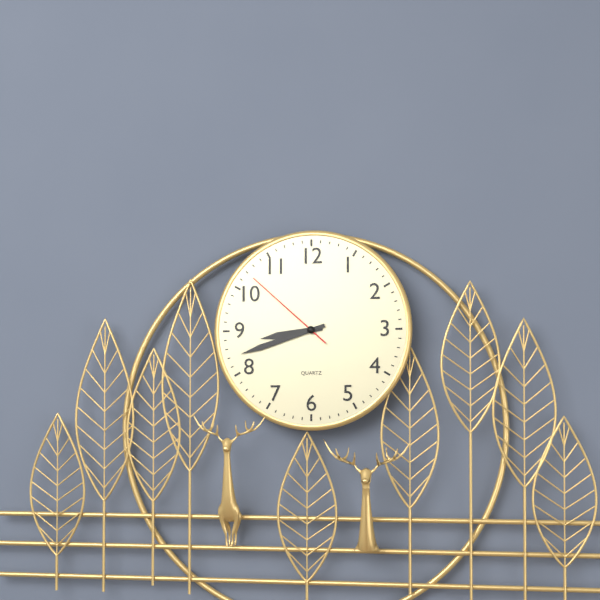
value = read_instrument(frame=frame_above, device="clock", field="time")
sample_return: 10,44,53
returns 8,42,52
